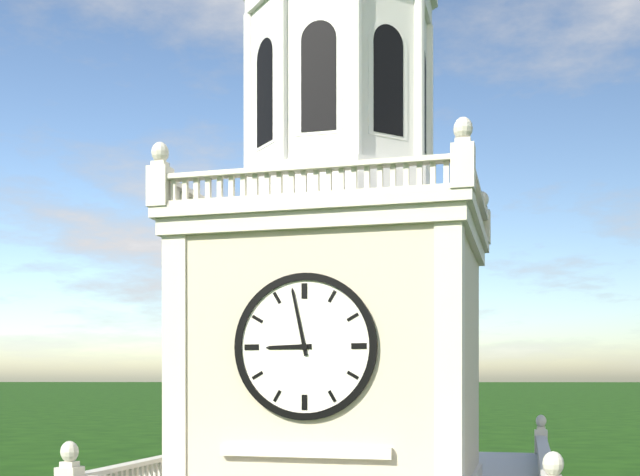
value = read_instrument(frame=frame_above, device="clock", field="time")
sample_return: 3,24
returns 8,58
